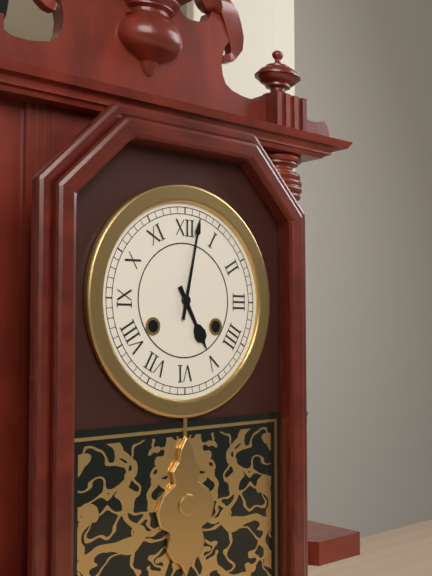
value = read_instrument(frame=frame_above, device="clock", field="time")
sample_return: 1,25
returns 5,02
